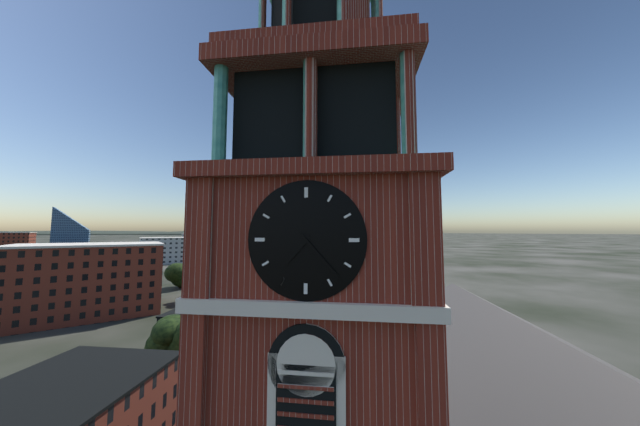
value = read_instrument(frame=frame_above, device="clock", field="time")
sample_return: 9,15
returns 7,23
